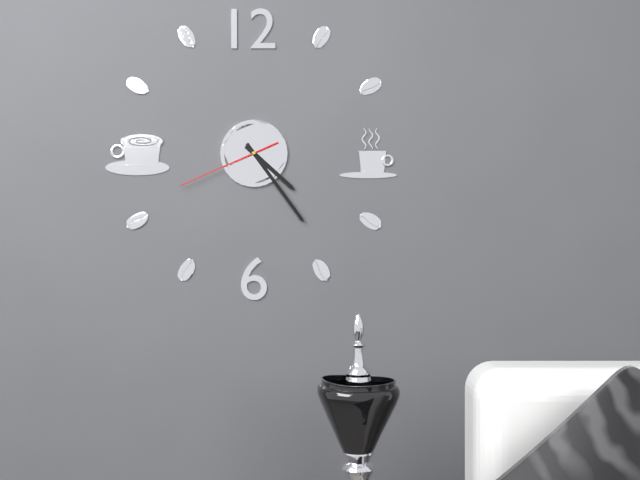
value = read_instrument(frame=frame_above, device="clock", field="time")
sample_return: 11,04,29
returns 4,24,41
